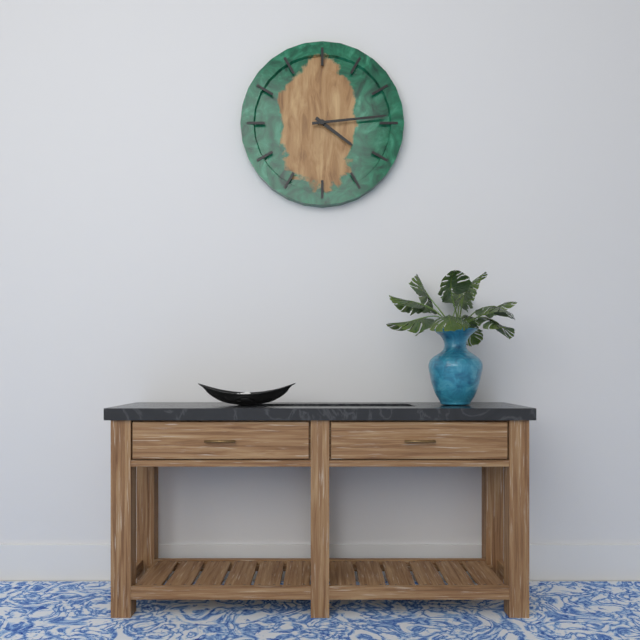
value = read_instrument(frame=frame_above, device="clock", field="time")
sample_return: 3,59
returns 4,14
